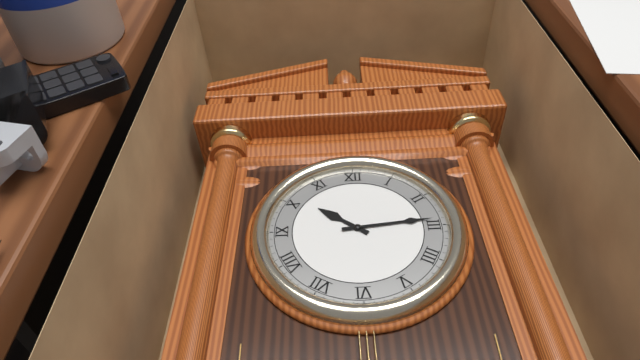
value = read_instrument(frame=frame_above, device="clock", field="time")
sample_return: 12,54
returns 10,14
